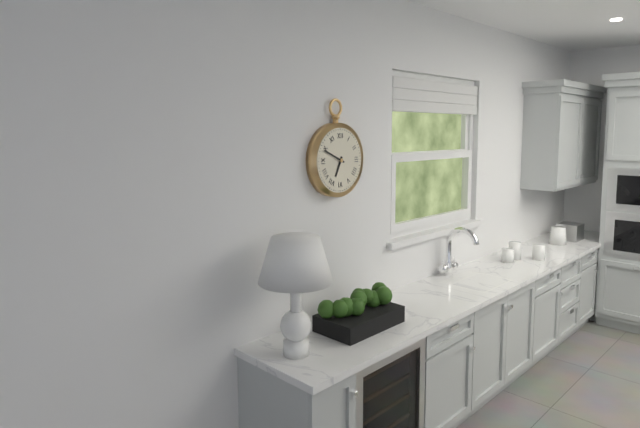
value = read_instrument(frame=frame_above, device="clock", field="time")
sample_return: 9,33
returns 6,49
